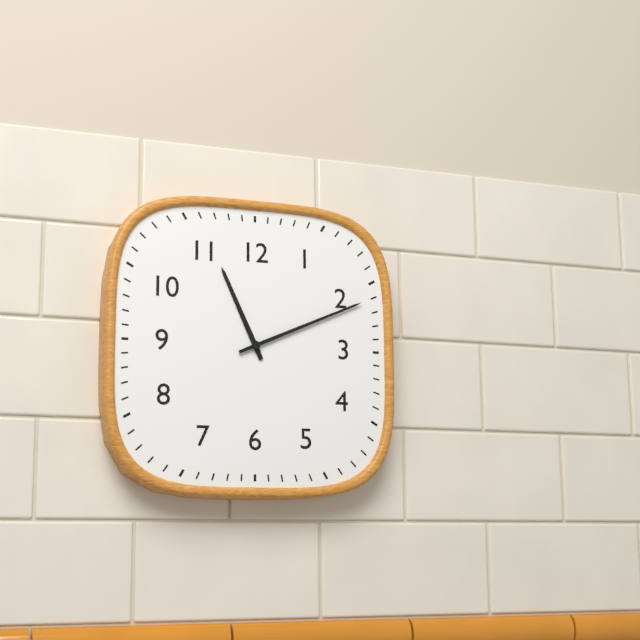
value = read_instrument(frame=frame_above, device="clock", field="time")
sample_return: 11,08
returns 11,11
